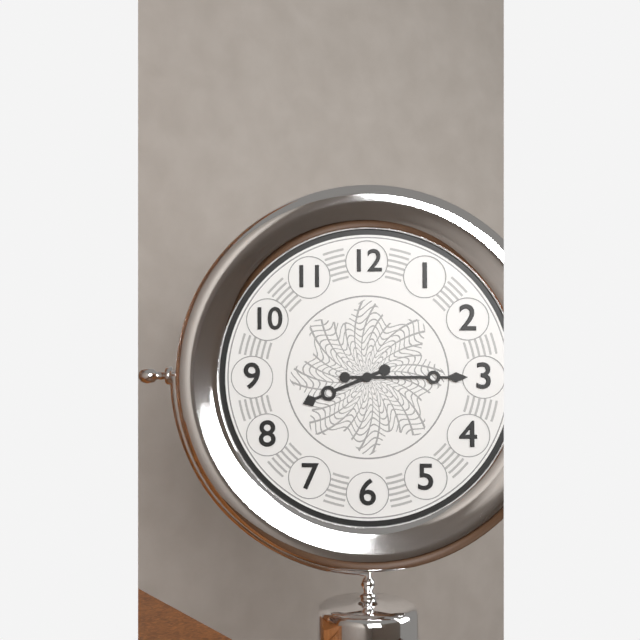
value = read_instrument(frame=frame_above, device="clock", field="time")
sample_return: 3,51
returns 8,15
